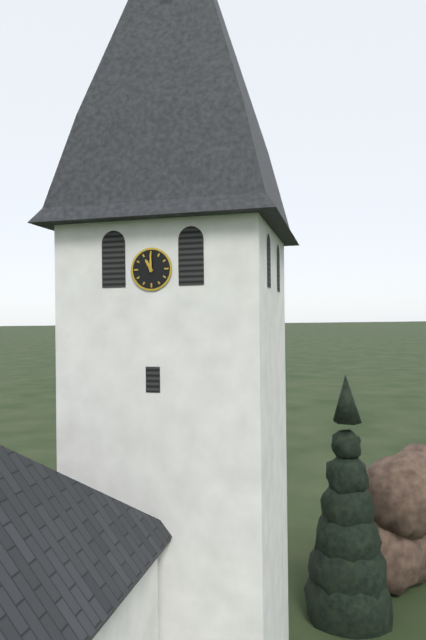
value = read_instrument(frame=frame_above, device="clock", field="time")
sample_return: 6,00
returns 11,00
